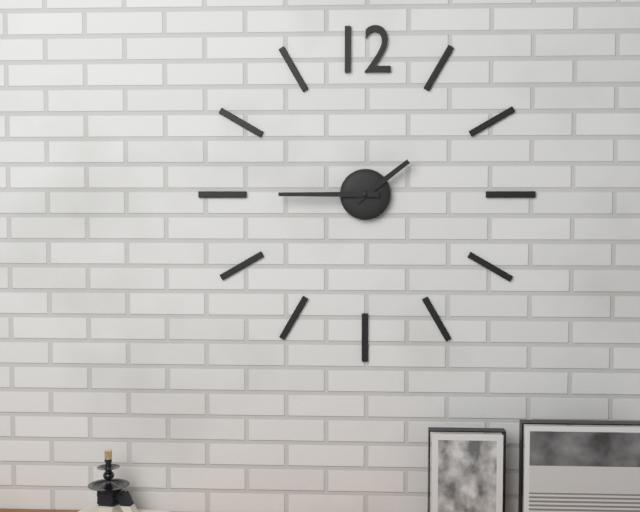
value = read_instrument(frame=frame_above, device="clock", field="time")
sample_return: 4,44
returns 1,45
